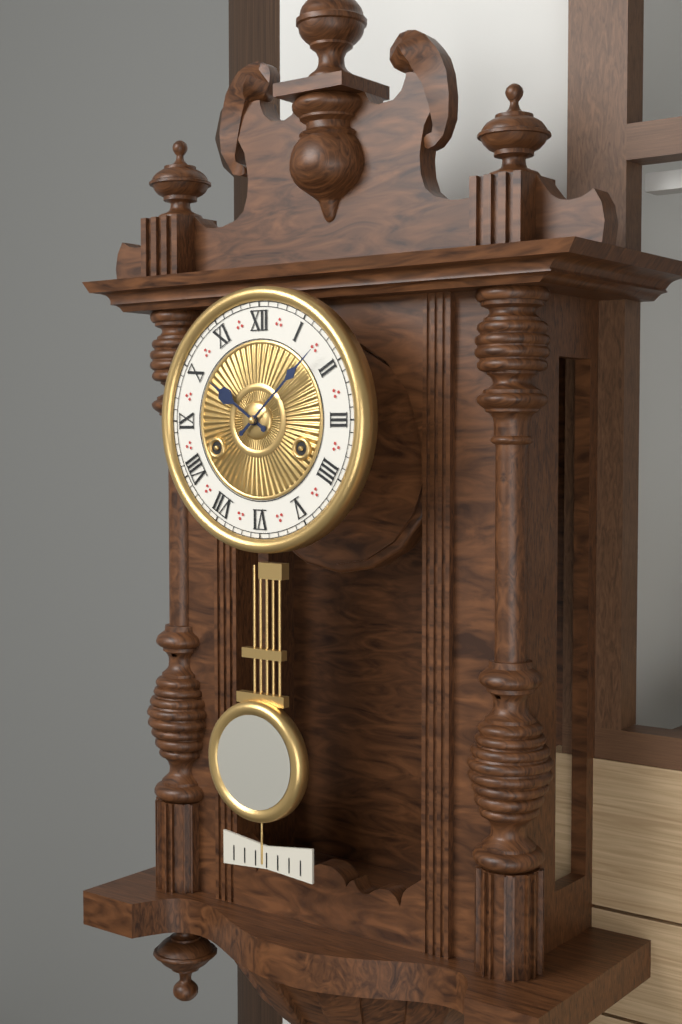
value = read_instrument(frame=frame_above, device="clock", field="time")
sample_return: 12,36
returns 10,08
